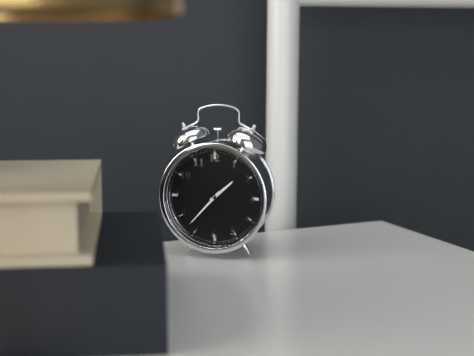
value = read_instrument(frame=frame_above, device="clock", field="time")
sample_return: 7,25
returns 1,37
